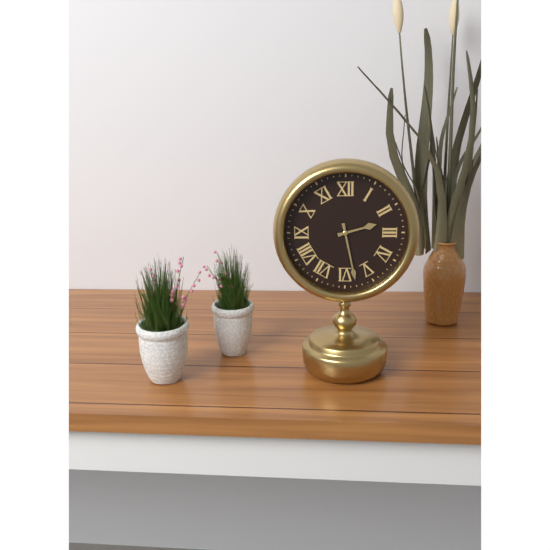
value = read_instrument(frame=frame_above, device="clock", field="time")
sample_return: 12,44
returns 2,28
